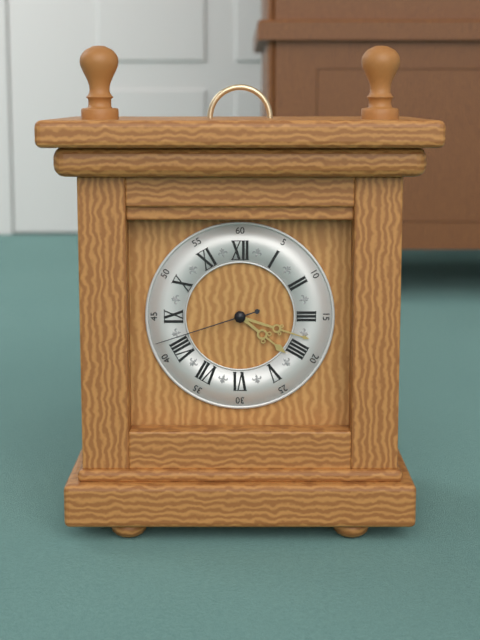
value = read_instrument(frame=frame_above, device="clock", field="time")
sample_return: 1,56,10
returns 4,18,42
